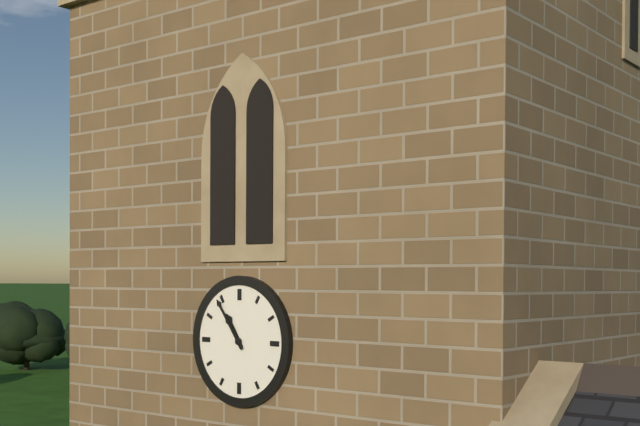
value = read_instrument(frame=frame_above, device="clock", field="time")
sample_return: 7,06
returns 10,54
